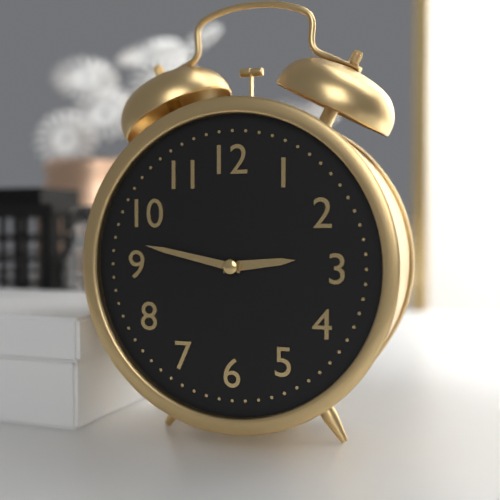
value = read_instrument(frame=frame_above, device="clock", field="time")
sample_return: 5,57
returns 2,47
